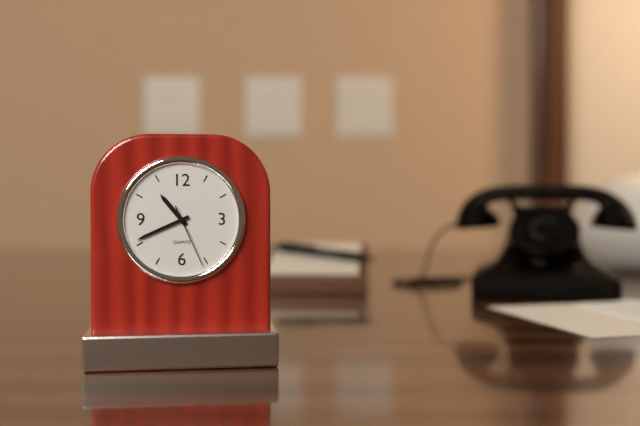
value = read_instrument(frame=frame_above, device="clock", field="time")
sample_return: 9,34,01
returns 10,41,26
